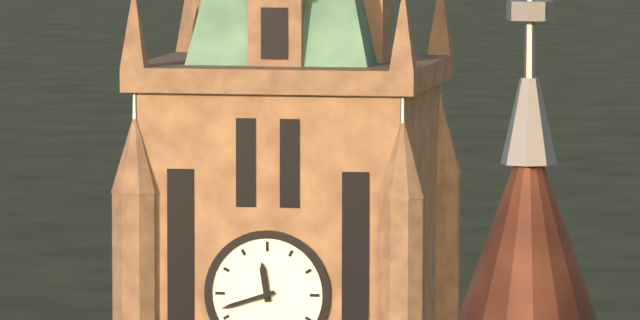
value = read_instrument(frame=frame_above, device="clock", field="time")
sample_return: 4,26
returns 11,42
